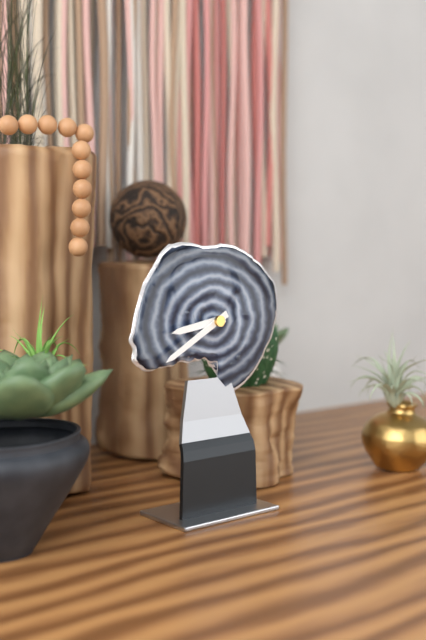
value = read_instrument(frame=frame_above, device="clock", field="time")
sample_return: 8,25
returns 8,40
